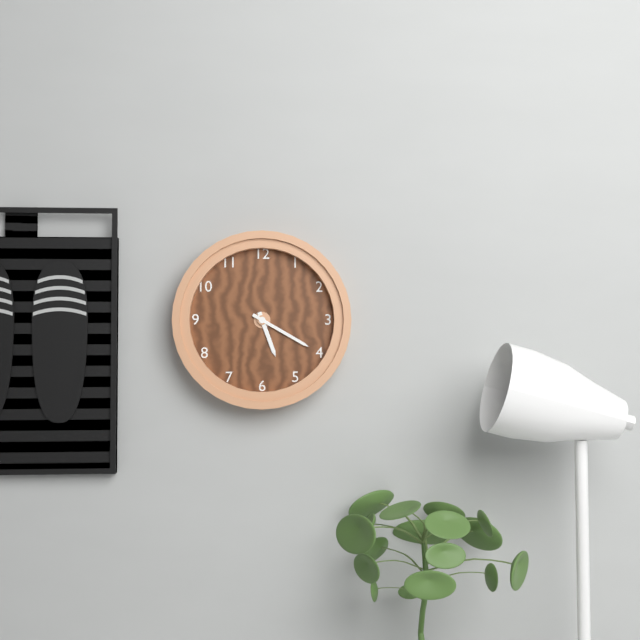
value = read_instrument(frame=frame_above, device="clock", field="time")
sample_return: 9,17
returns 5,20
